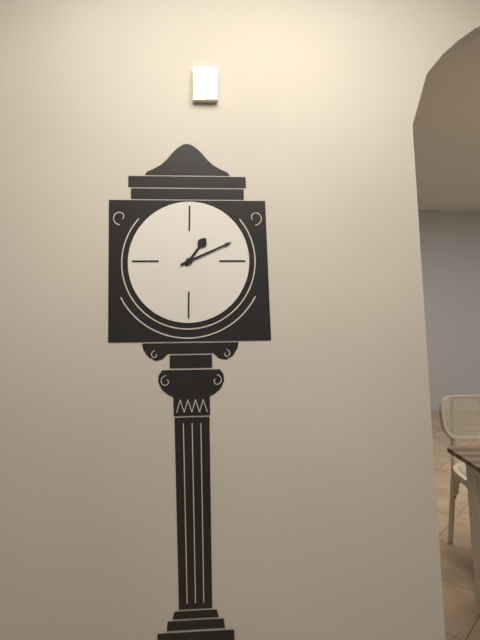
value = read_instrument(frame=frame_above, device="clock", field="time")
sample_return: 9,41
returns 1,11
